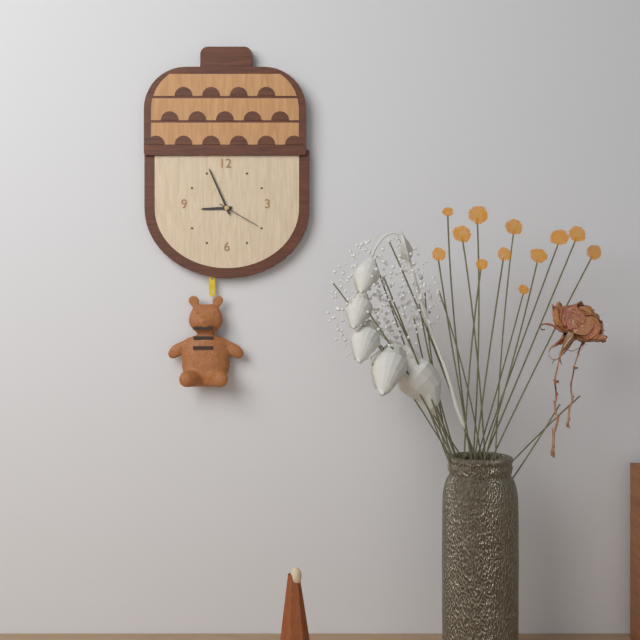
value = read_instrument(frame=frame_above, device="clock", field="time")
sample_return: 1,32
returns 8,56
